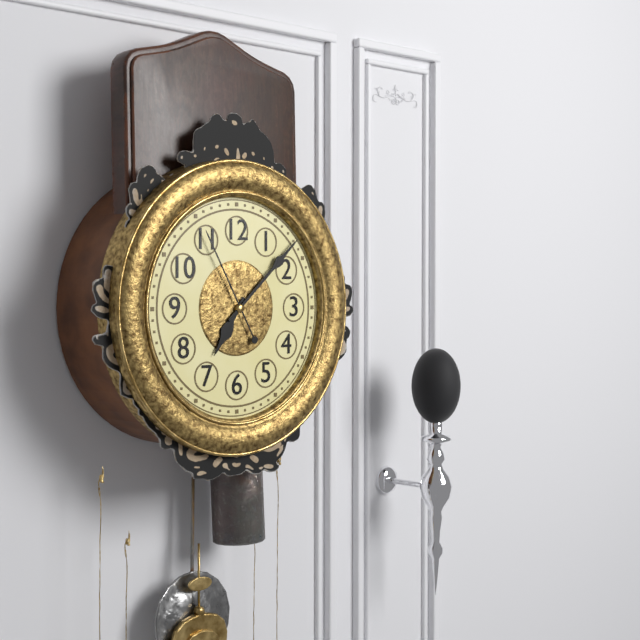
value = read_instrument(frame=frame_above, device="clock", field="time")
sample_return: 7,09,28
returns 7,08,55
